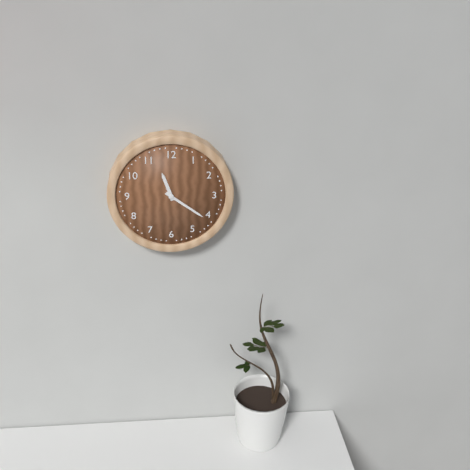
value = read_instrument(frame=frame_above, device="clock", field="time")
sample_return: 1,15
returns 11,21
